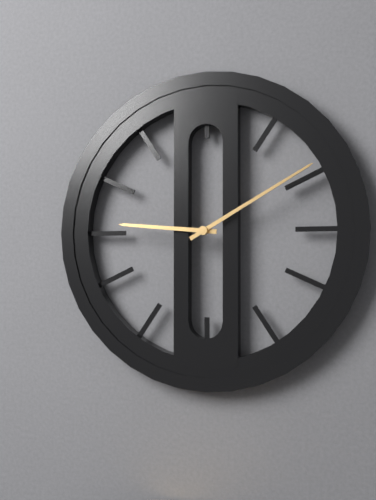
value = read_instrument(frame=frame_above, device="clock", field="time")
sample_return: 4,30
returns 9,10
